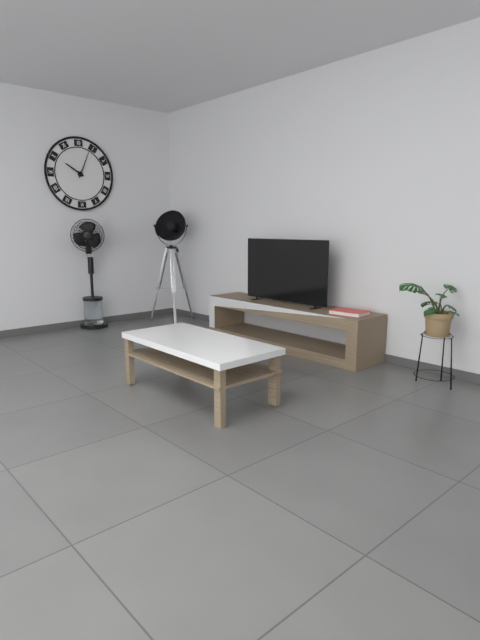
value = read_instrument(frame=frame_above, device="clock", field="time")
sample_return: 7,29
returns 10,04
